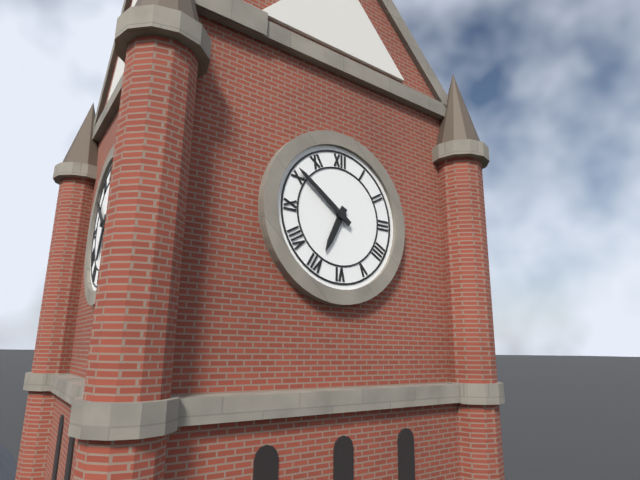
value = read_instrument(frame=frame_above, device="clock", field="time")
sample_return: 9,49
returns 6,51
